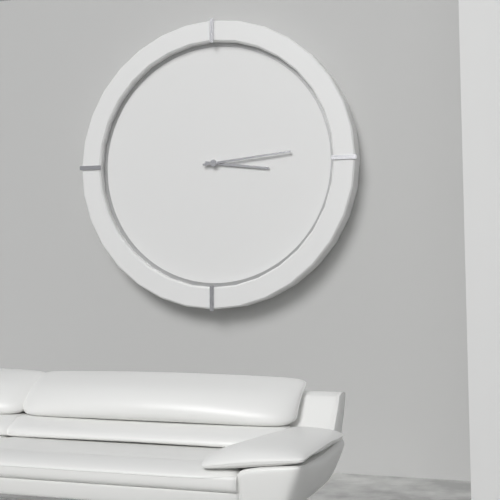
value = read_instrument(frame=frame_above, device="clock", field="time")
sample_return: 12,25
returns 3,14
